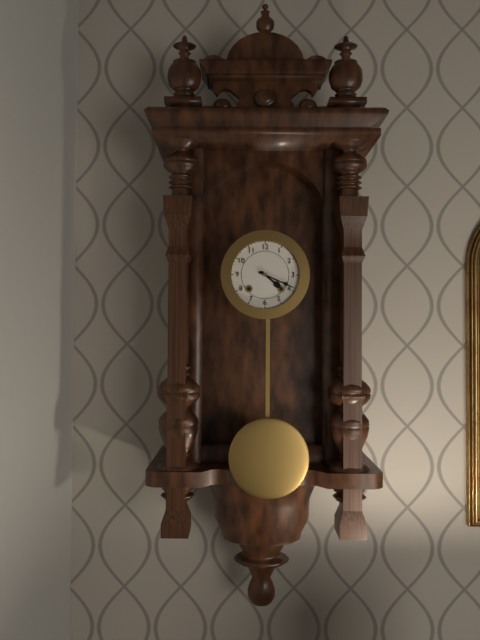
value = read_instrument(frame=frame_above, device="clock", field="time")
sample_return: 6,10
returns 4,19
